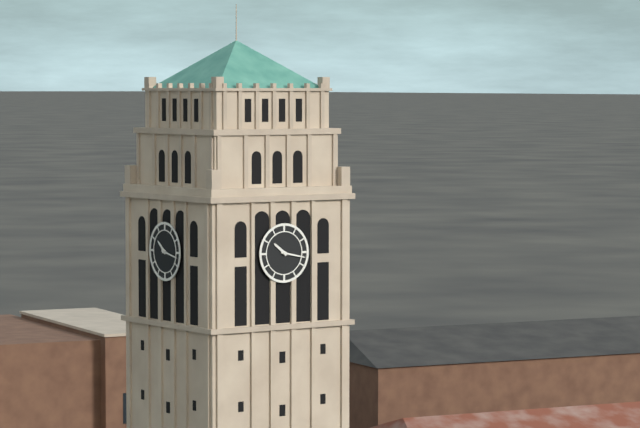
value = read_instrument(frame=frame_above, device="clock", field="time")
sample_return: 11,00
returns 10,17
